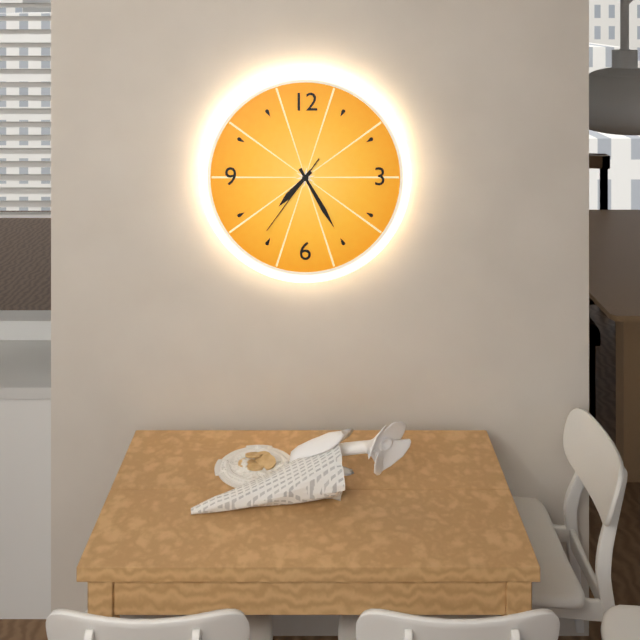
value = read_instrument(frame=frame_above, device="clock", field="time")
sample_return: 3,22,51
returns 7,25,36
